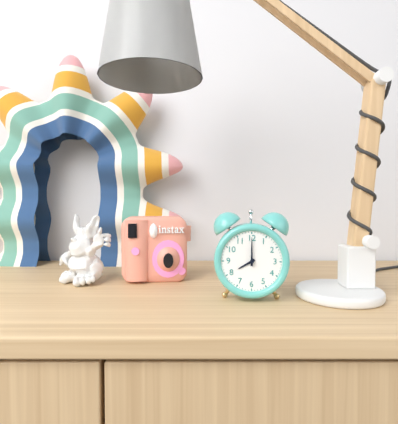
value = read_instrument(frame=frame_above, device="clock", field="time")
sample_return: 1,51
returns 8,00
